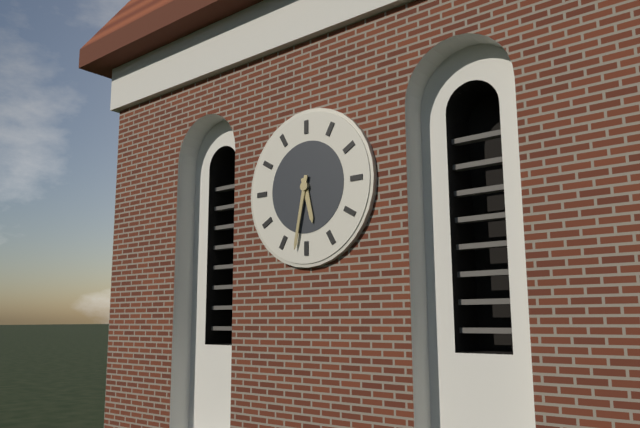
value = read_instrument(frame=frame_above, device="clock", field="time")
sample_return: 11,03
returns 5,32
